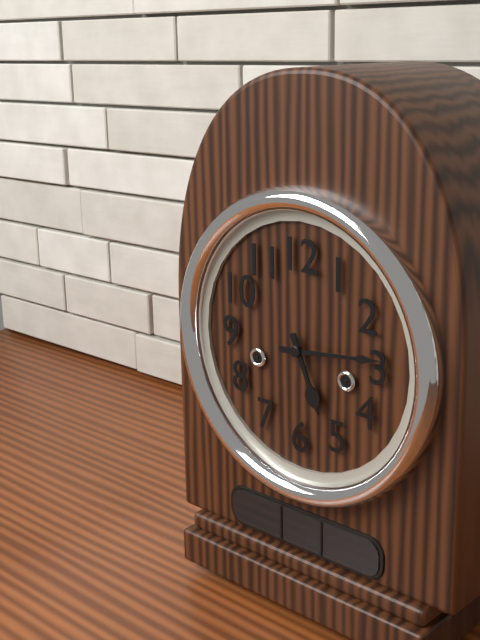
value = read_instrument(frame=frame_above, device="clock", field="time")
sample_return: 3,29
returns 5,14
